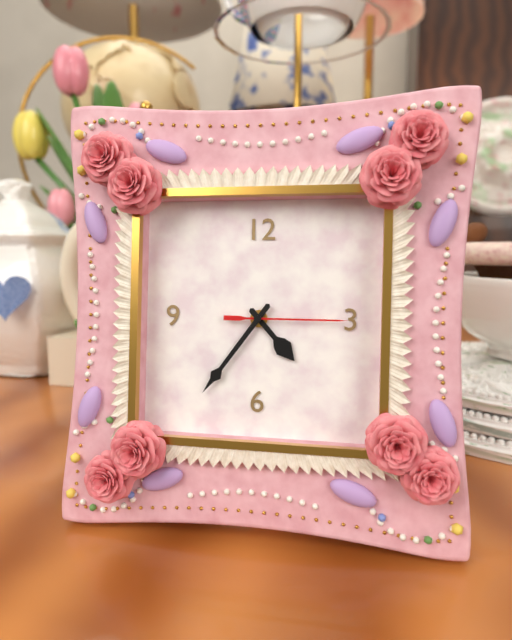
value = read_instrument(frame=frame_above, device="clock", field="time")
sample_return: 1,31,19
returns 4,36,15
